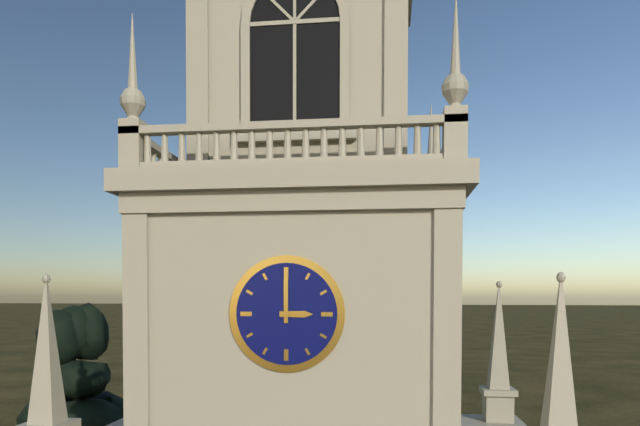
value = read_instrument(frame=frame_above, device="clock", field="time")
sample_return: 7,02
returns 3,00
